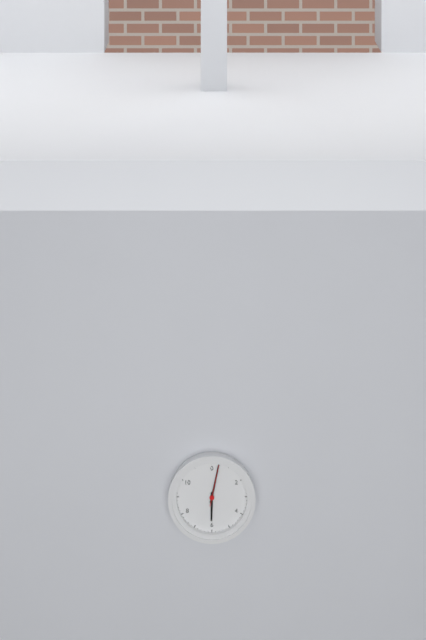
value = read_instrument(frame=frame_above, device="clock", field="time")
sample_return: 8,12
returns 6,02
